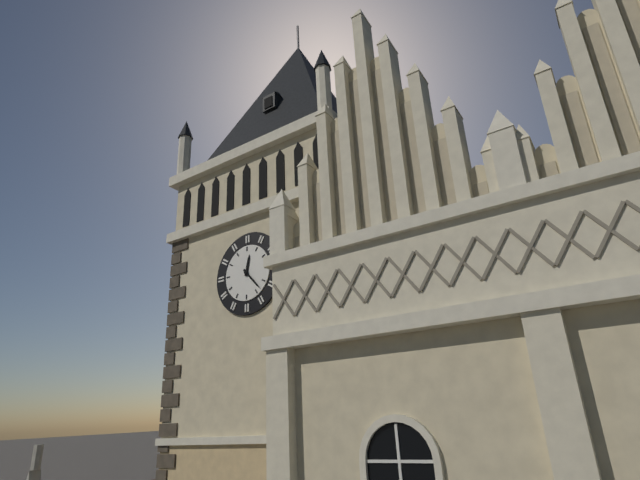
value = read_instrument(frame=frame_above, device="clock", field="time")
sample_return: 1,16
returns 12,23
